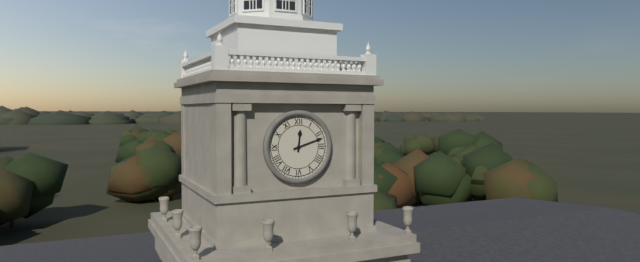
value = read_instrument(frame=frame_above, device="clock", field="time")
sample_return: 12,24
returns 12,12
